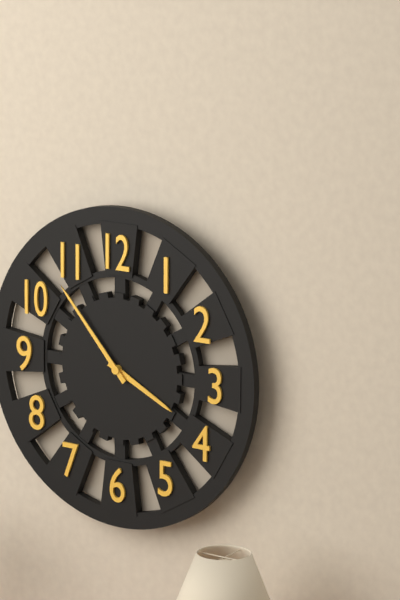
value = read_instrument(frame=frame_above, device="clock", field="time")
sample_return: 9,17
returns 3,53
